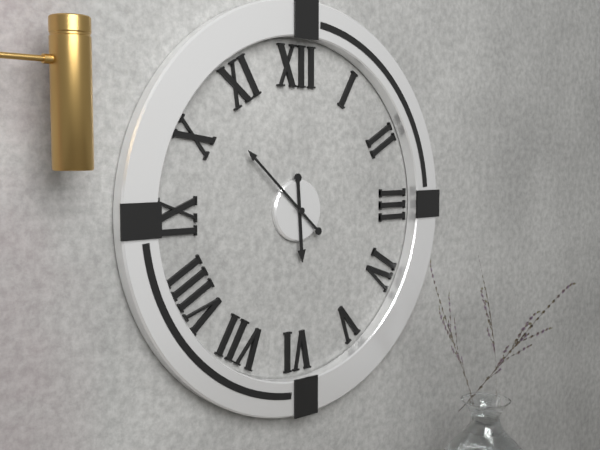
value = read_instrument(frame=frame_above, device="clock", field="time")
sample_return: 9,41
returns 5,52
